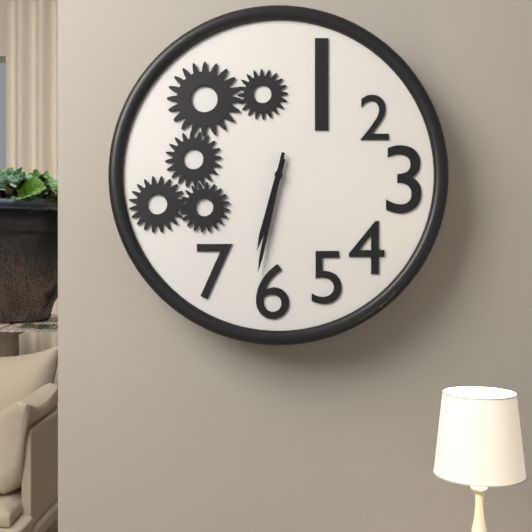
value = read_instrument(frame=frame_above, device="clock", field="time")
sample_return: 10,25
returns 6,32
